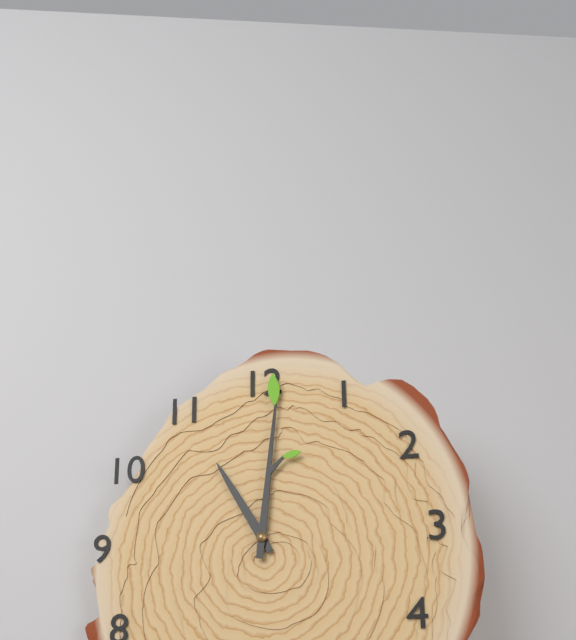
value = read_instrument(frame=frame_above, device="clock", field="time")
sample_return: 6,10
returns 11,01
